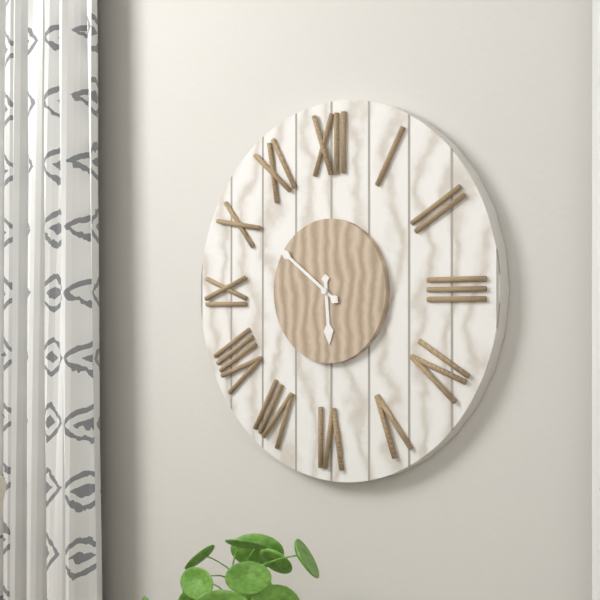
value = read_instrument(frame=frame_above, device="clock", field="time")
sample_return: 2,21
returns 5,51
